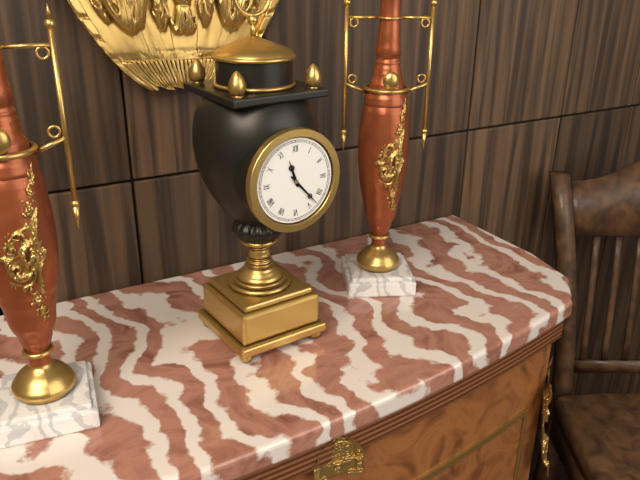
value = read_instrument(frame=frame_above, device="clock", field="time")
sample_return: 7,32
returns 11,23
